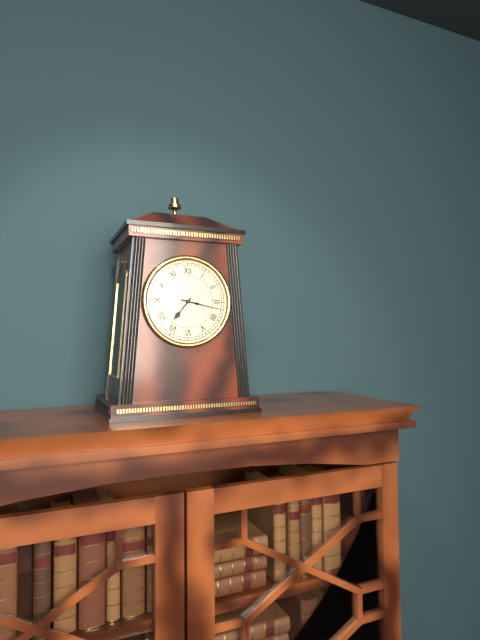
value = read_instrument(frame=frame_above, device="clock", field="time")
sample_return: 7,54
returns 7,17
